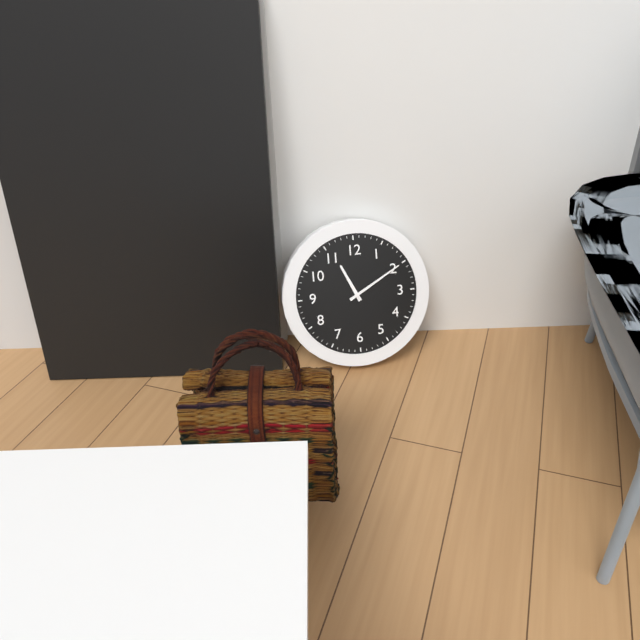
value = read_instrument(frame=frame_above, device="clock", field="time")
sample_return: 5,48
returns 11,10
